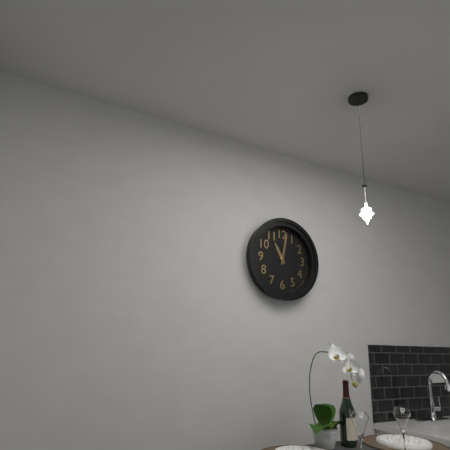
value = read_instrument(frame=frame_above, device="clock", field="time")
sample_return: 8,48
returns 11,02
